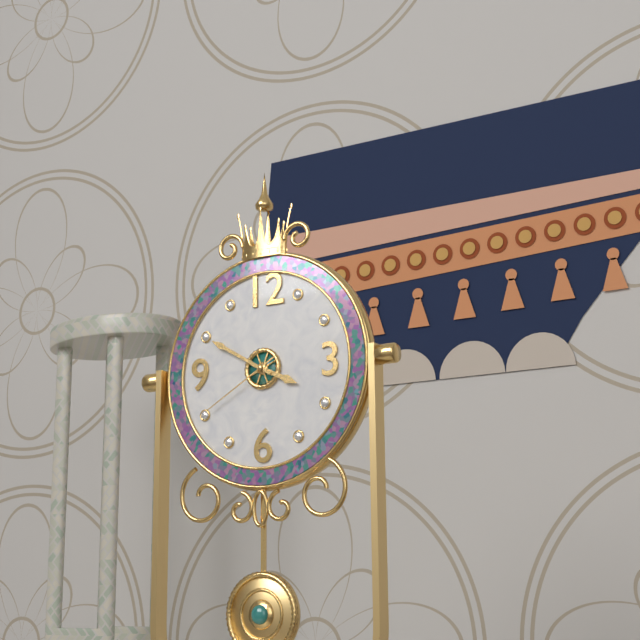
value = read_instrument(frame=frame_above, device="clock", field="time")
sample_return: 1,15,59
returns 3,50,40
